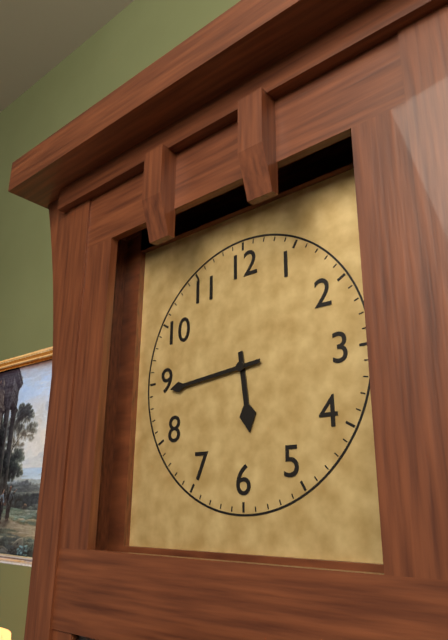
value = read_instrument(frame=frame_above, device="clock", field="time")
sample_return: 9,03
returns 5,44
